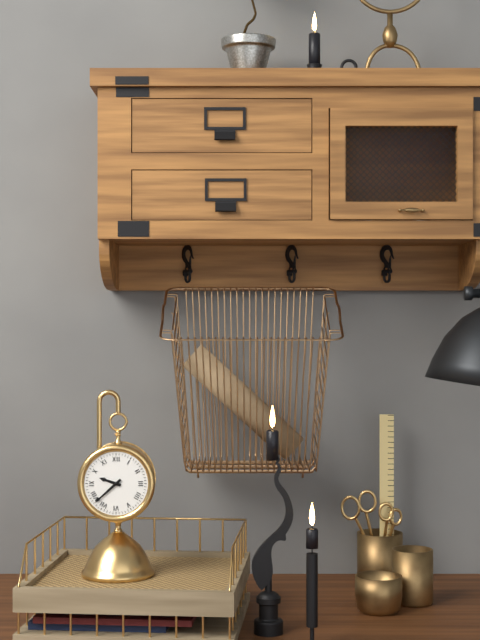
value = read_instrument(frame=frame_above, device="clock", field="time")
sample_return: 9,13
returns 9,38
